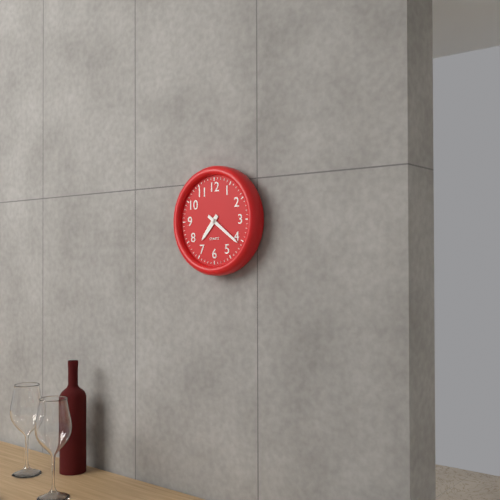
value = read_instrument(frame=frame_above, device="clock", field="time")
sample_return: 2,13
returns 7,21
